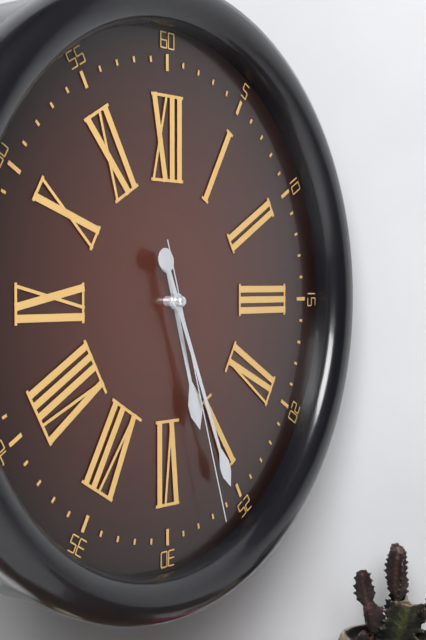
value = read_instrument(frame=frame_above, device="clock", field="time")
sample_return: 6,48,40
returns 5,26,27
